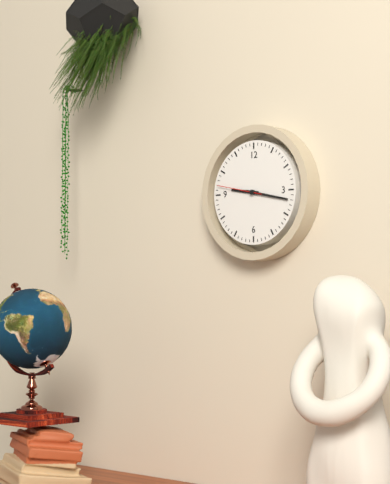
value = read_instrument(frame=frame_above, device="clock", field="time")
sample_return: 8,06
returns 9,17
